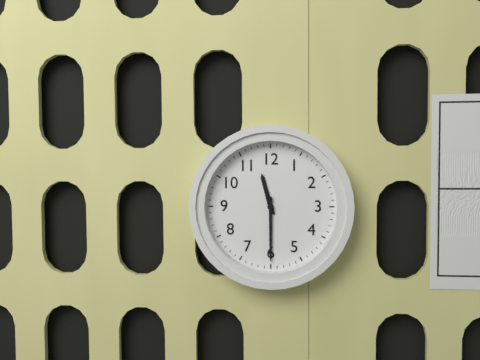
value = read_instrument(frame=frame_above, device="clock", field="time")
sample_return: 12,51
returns 11,30
